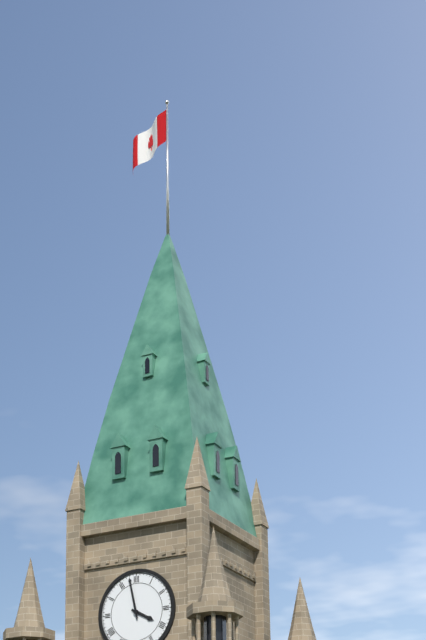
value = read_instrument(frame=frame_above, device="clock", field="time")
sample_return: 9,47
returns 3,58
